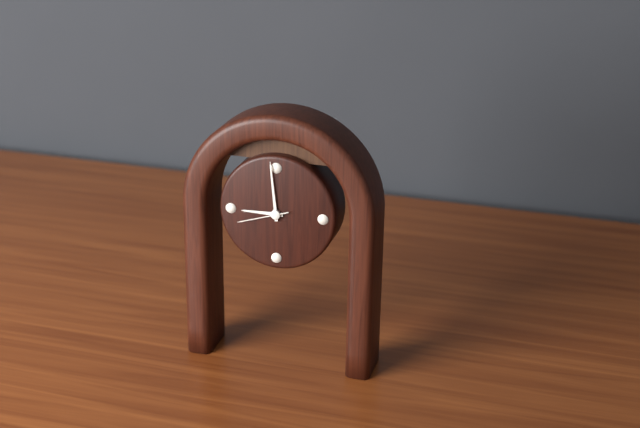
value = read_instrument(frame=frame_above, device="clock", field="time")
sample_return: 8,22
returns 8,59
